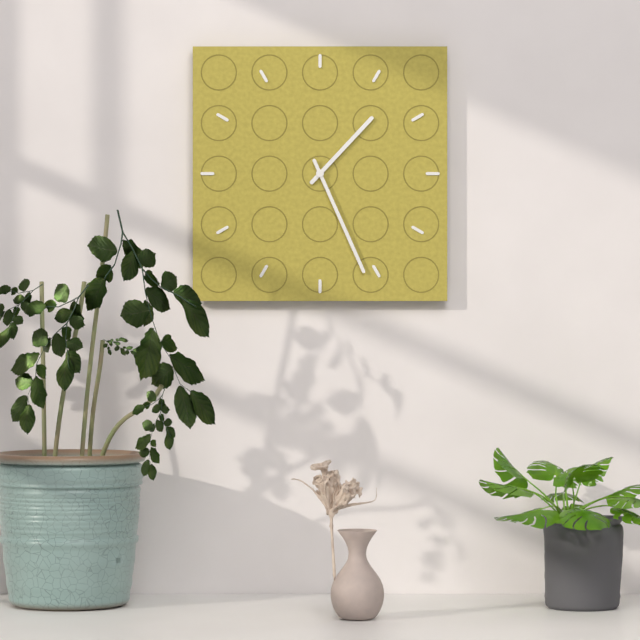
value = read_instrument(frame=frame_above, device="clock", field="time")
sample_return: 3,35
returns 1,26
